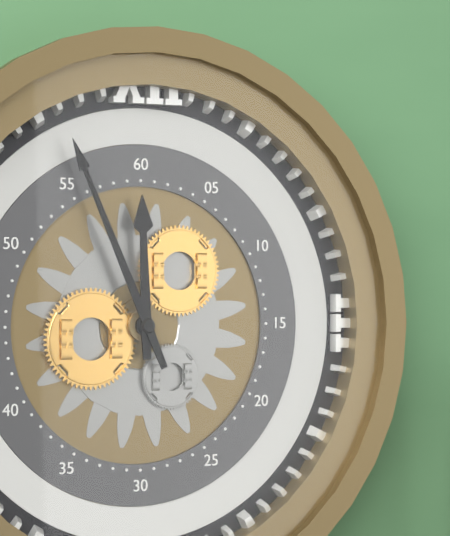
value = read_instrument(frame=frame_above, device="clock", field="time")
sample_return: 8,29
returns 11,56
